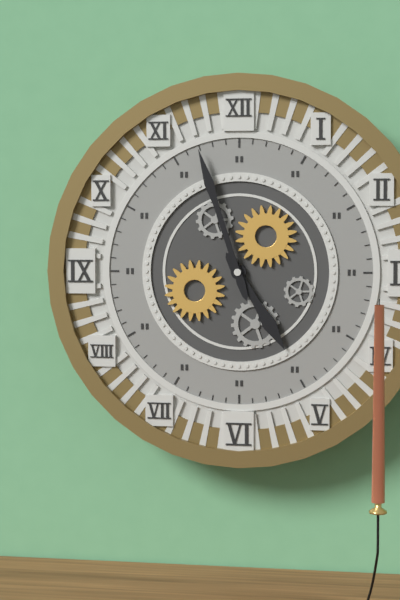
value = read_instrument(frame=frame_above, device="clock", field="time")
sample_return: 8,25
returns 4,57
